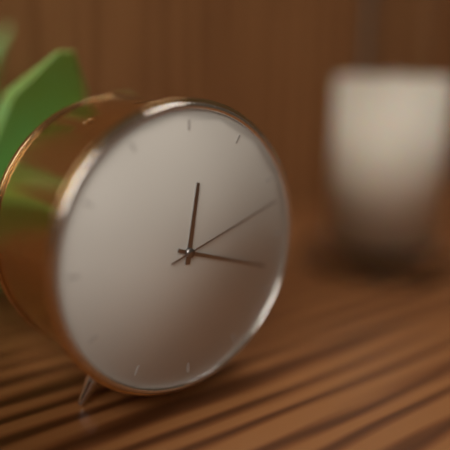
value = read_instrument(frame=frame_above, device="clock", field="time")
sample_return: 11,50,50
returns 12,18,12
